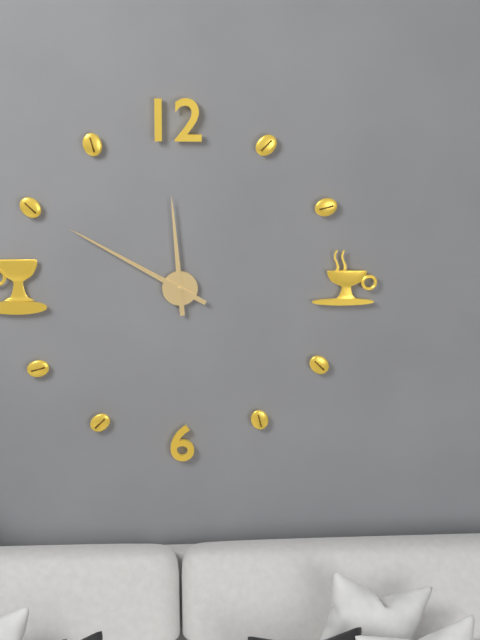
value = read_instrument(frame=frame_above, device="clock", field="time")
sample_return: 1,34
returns 11,50
